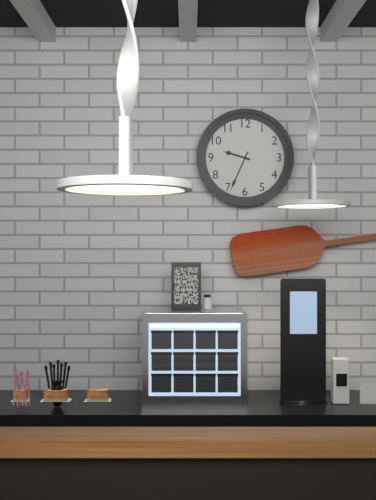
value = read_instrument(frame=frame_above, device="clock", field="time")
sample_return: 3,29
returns 9,34
